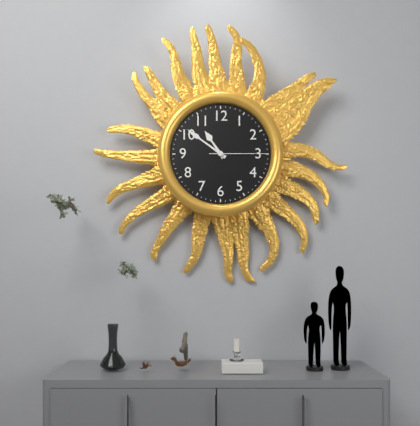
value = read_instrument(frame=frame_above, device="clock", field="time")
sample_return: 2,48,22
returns 10,51,15
